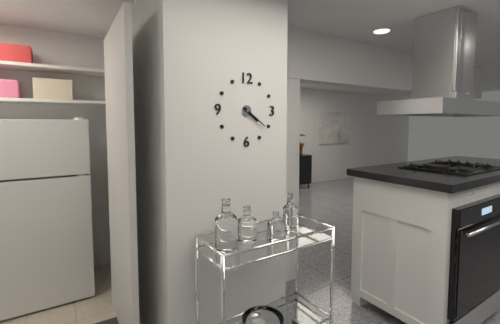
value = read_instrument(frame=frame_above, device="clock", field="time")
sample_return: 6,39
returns 4,21
